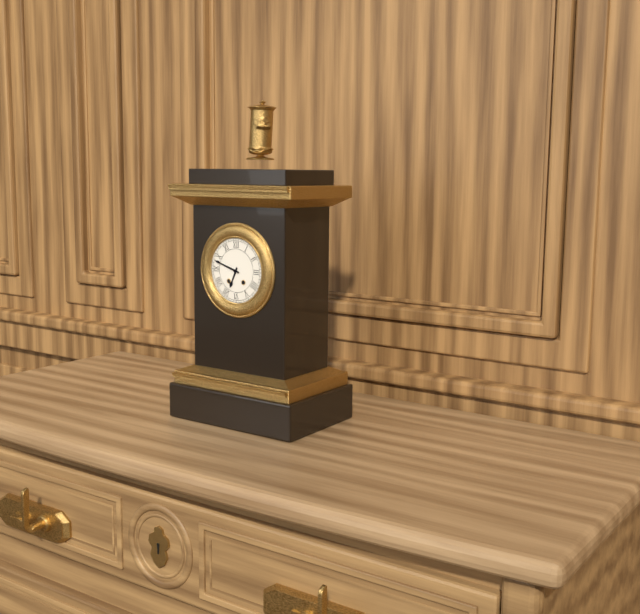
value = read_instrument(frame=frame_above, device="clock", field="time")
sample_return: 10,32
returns 6,48
